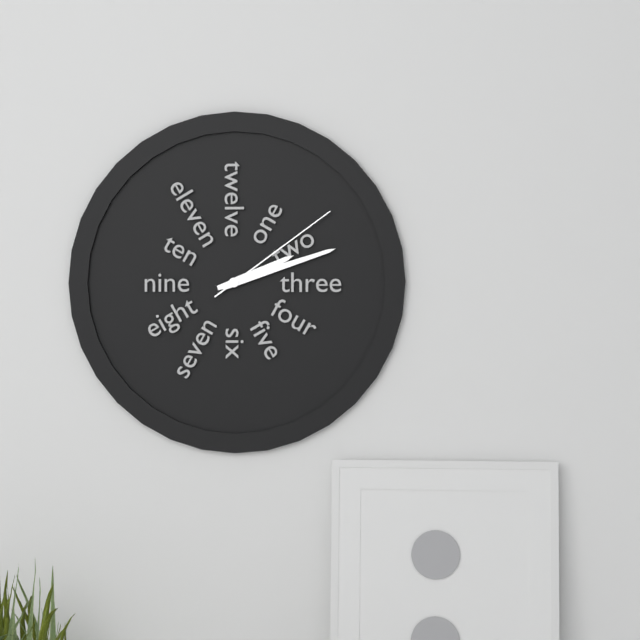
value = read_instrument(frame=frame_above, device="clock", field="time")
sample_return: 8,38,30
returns 2,12,09
